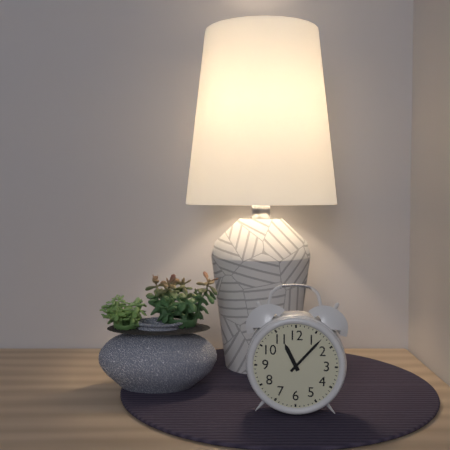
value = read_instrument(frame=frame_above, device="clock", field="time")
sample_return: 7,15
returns 11,07
